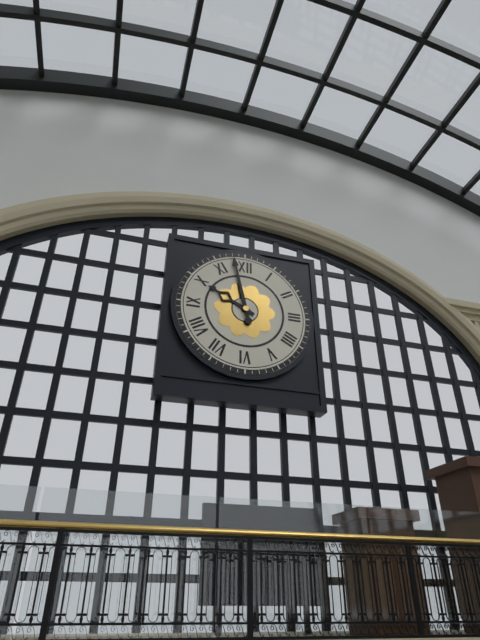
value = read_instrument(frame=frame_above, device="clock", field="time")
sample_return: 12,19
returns 9,58
